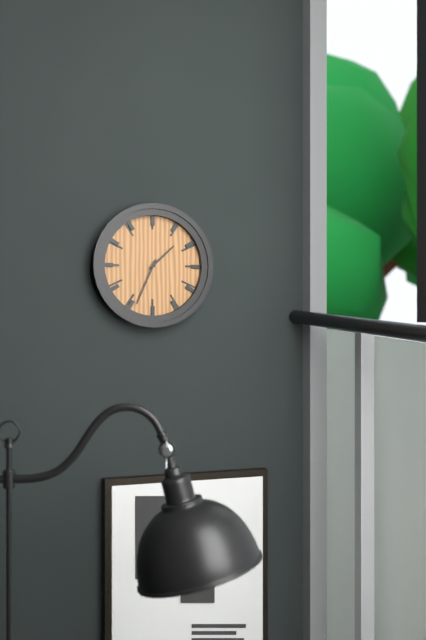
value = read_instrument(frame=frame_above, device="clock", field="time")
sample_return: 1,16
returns 1,34
